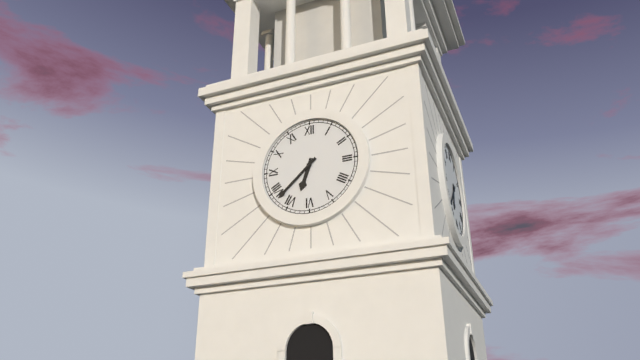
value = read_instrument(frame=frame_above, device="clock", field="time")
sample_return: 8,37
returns 6,38
